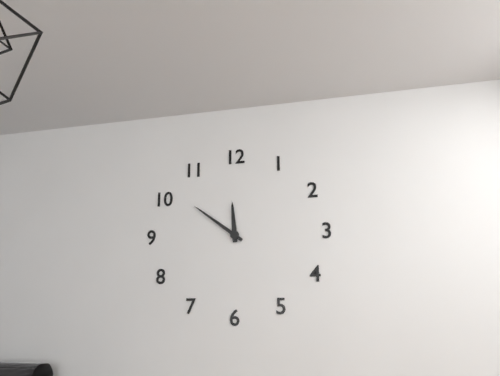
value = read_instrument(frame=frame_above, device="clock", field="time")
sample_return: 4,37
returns 11,51
